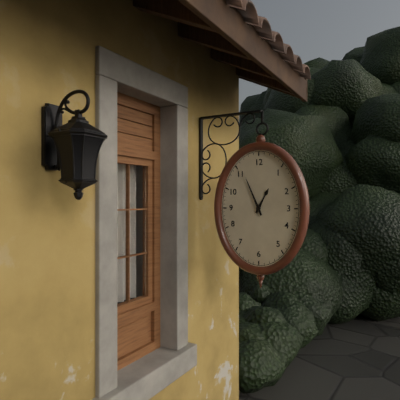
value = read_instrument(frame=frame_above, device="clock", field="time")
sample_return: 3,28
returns 12,56
